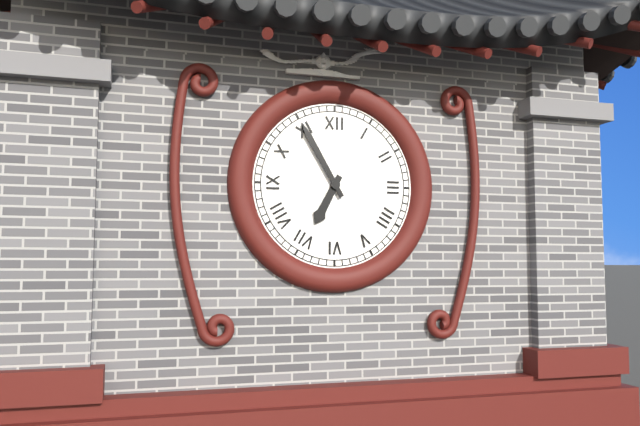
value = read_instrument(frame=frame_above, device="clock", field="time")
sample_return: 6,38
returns 6,55
